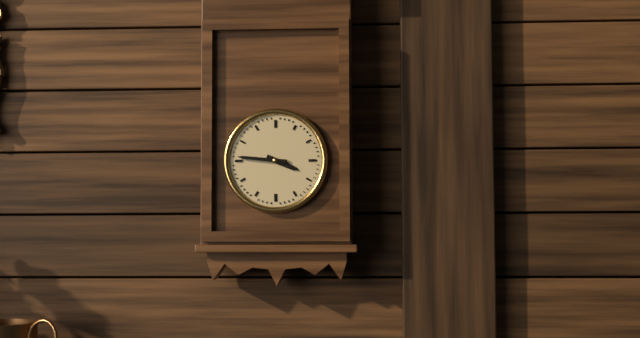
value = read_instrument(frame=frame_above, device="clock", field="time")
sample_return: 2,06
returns 3,46
